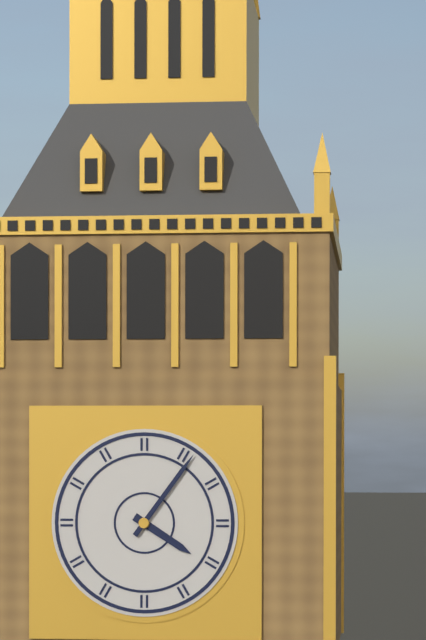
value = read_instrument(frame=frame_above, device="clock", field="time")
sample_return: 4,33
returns 4,06
